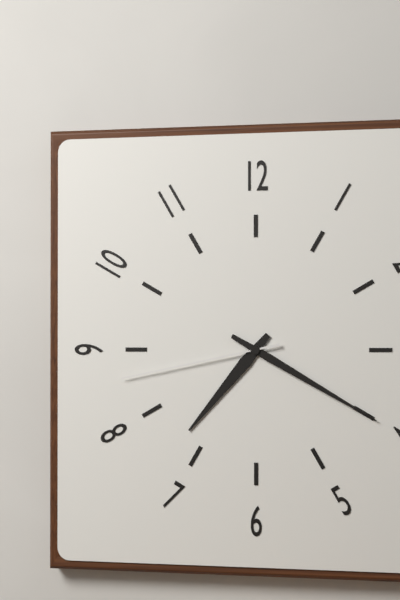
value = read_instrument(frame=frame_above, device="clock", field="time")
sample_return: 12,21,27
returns 7,20,43
